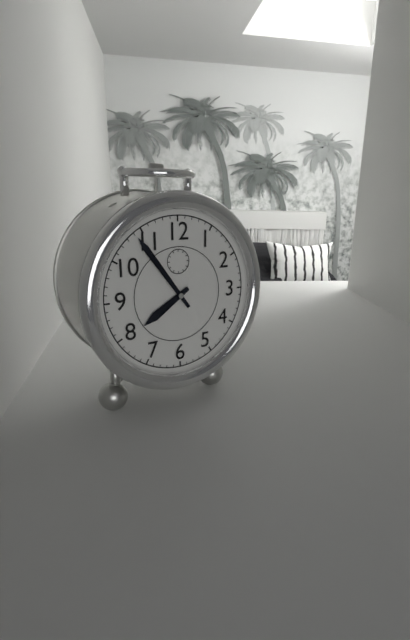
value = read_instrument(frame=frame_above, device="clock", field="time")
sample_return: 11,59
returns 7,54
